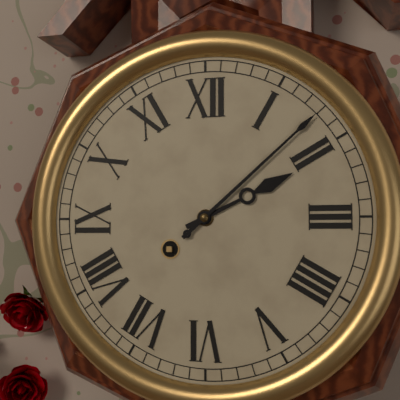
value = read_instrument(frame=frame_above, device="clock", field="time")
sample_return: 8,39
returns 2,08
